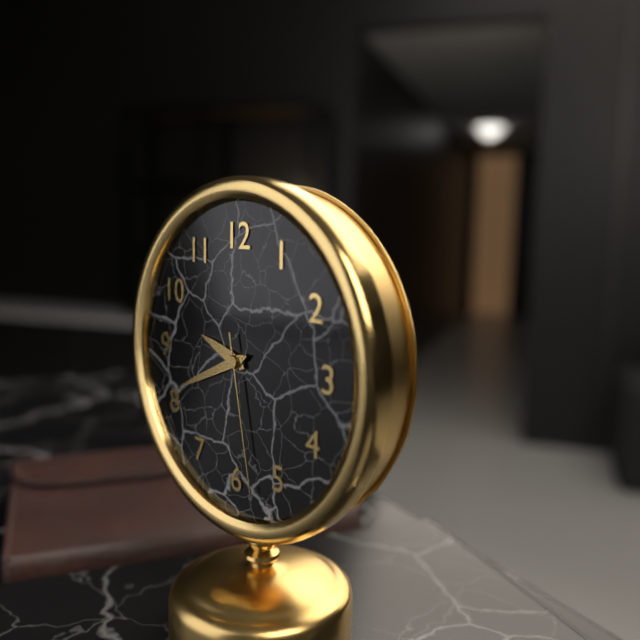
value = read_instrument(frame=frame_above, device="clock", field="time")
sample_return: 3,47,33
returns 9,41,28
